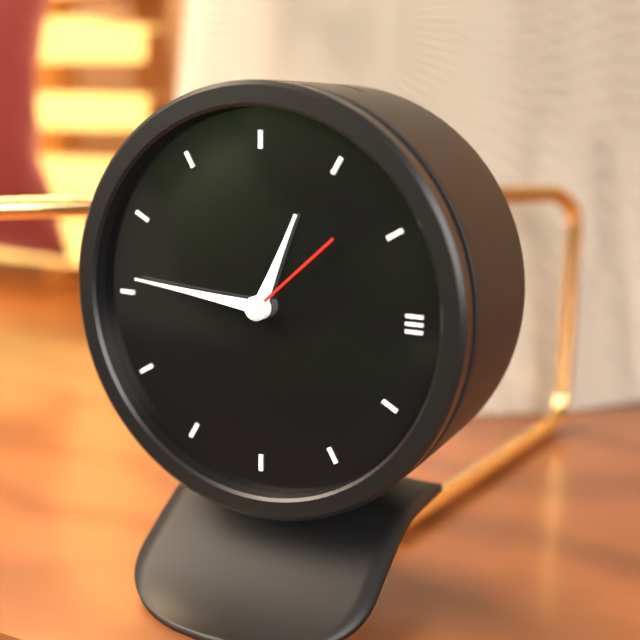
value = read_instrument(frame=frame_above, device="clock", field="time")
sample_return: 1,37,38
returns 12,46,08
